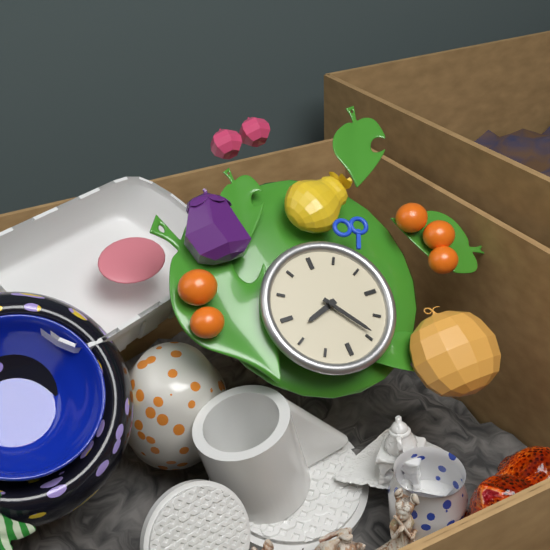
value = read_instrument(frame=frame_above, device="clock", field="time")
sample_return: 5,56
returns 8,24
